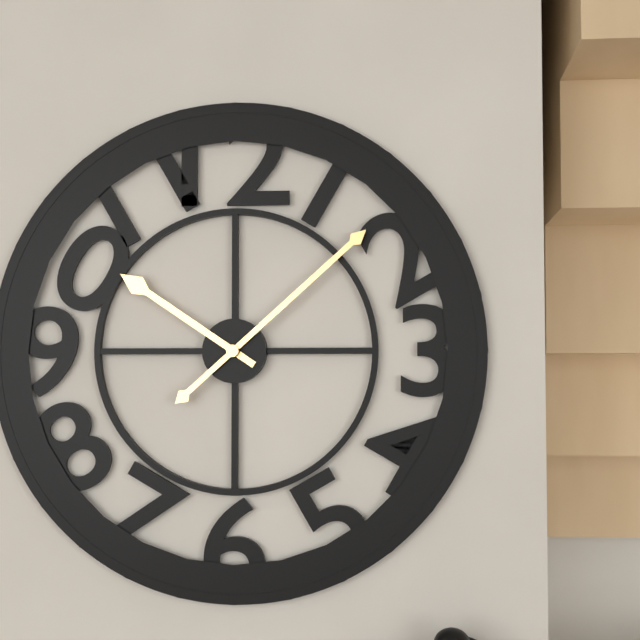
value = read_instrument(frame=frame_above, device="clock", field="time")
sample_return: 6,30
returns 10,08
